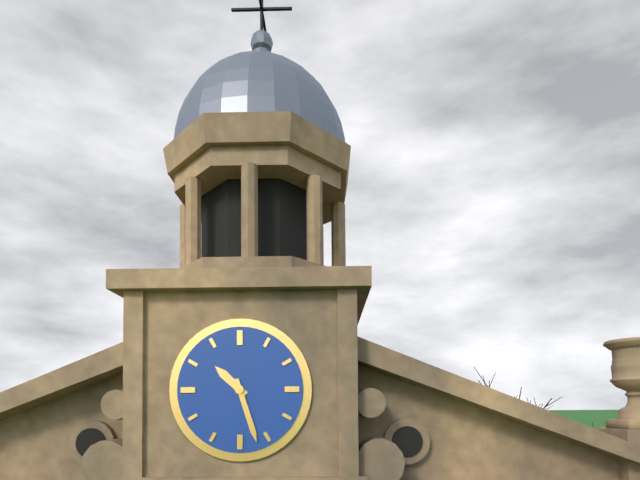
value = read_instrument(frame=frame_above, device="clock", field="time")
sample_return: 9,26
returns 10,27
